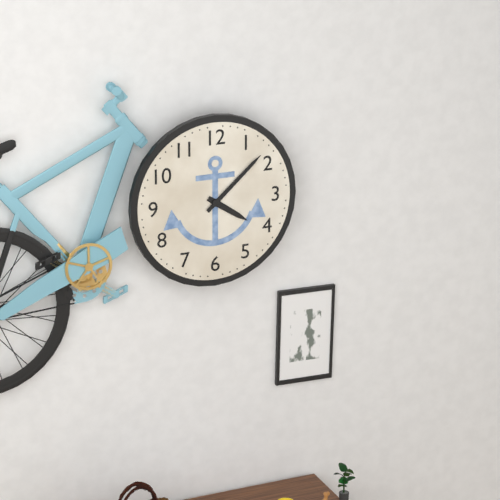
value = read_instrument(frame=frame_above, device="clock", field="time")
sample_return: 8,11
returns 4,08
